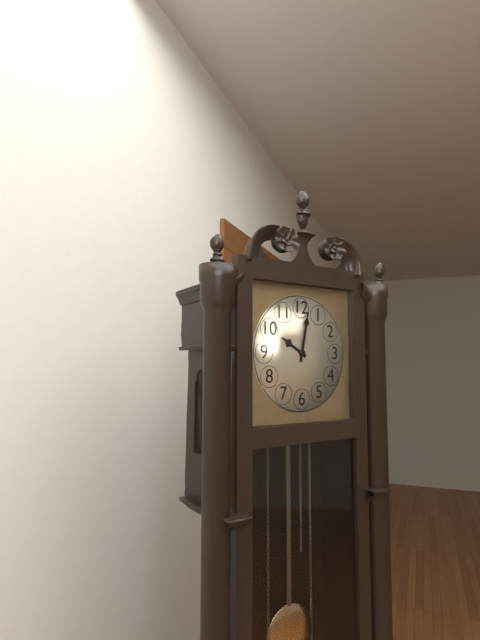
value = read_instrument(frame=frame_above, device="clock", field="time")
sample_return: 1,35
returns 10,02
